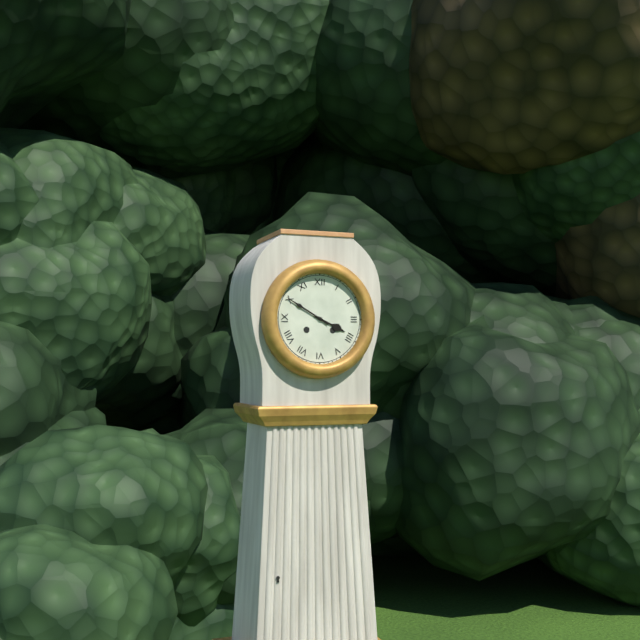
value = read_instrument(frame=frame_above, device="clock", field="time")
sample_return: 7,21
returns 3,50
